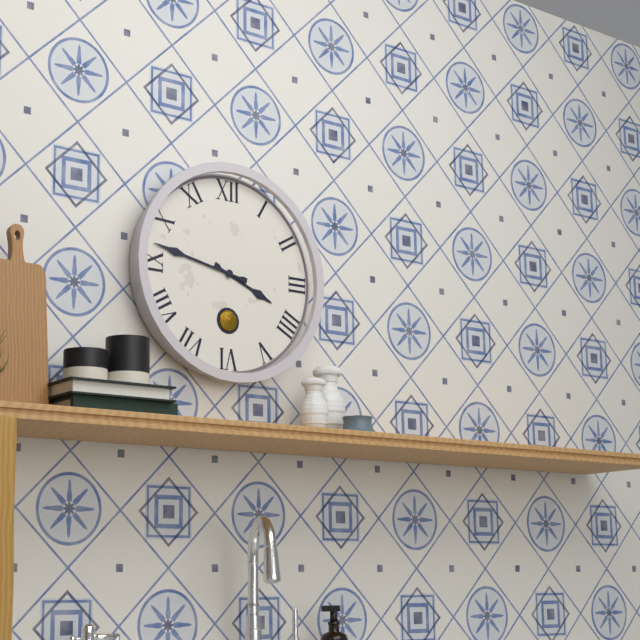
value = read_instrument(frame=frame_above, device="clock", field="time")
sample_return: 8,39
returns 3,47
